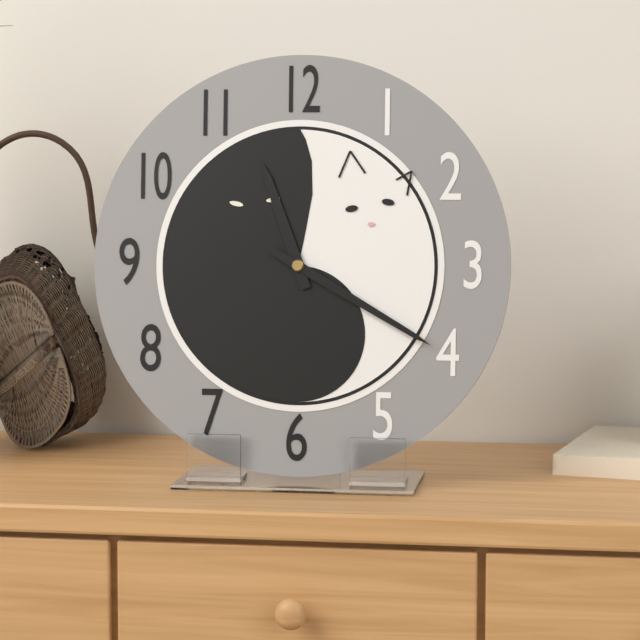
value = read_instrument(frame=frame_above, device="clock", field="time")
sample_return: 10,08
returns 11,20
